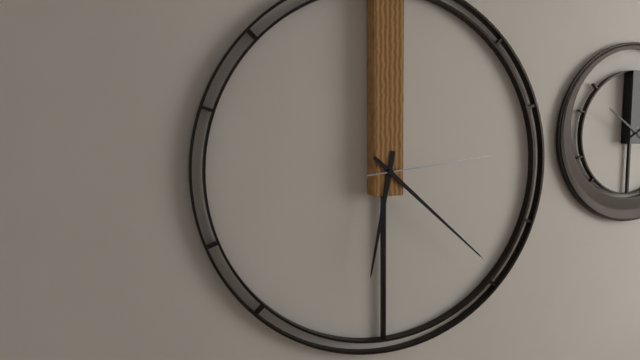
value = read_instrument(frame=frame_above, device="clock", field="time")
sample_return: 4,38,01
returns 6,22,14
